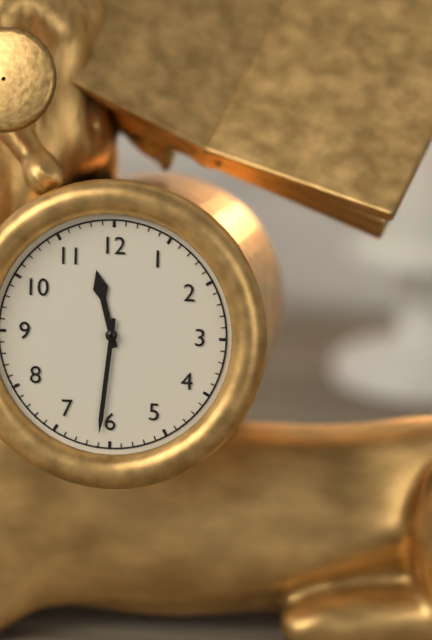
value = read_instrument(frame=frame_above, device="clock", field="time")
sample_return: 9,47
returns 11,31
